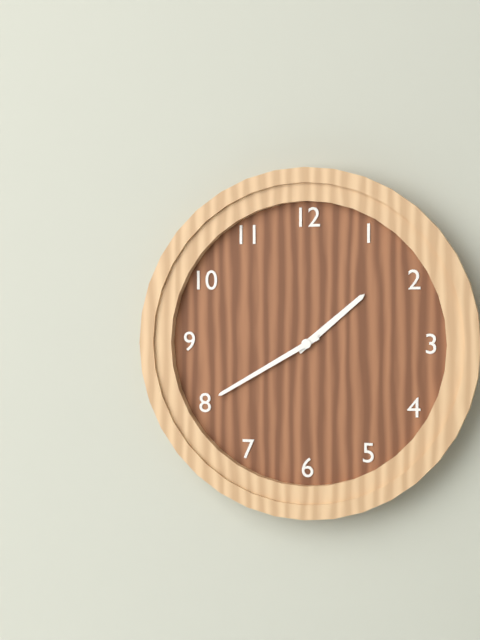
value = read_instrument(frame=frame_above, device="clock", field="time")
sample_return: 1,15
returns 1,40
